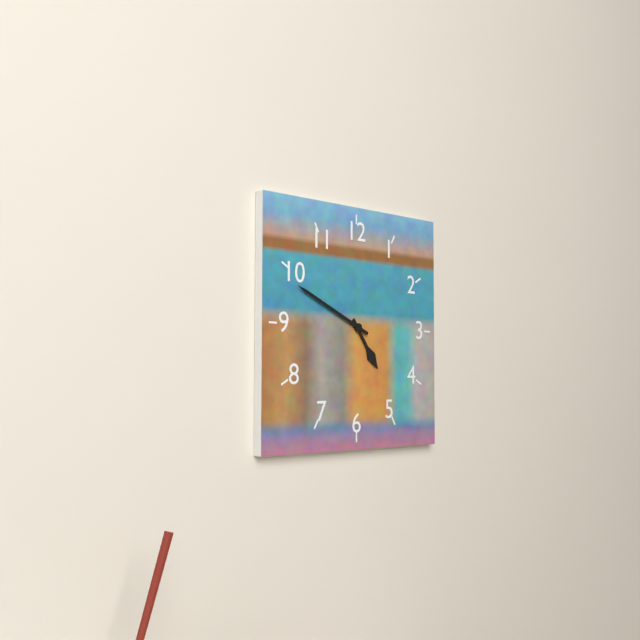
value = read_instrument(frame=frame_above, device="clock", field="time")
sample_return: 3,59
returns 4,49
